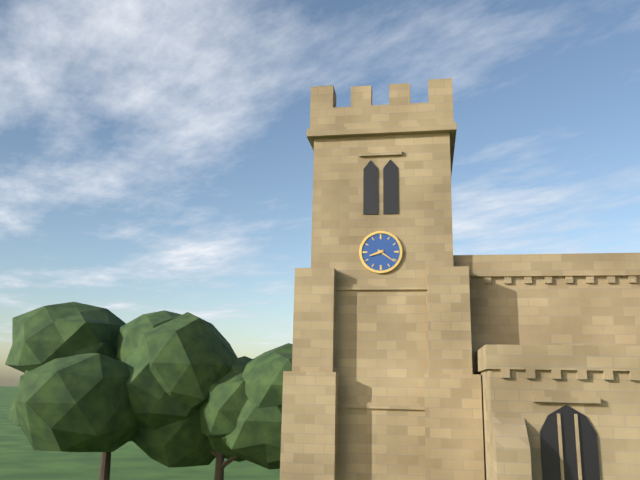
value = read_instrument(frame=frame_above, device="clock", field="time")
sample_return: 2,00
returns 8,21
